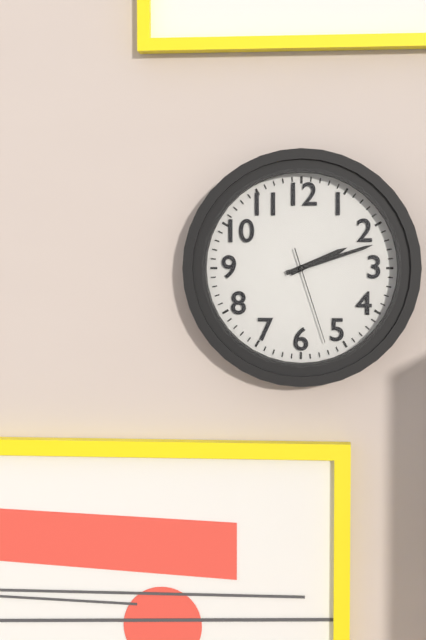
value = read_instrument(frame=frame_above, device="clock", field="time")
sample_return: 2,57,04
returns 2,12,27
